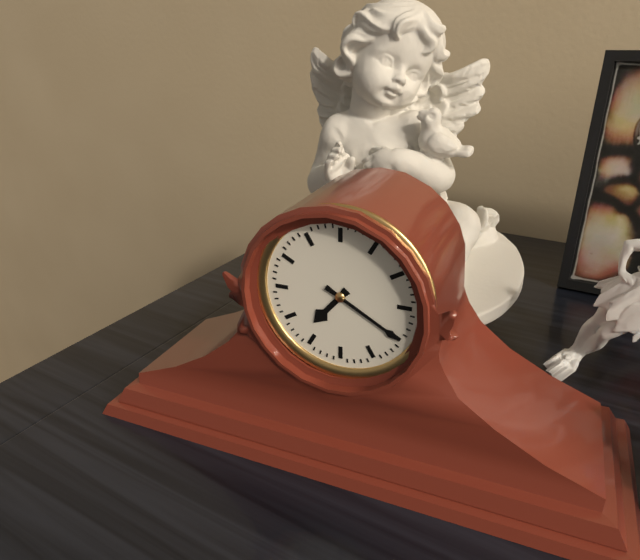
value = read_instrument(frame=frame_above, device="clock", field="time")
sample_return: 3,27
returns 7,20
